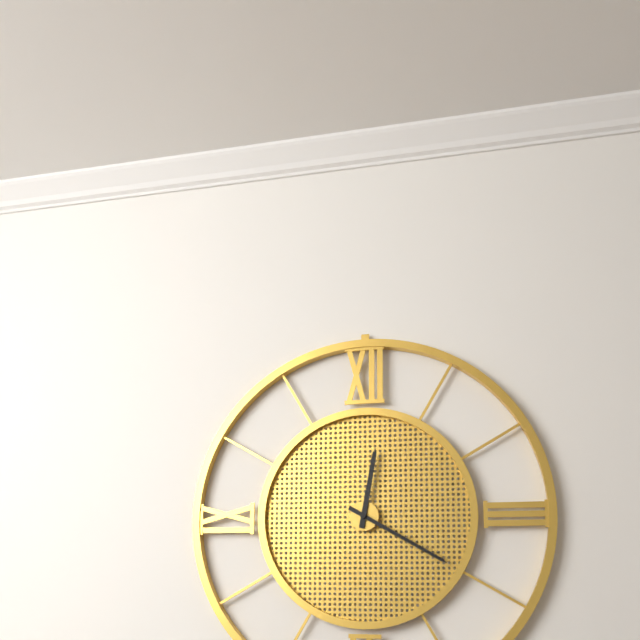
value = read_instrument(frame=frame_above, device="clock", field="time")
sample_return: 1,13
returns 12,20
